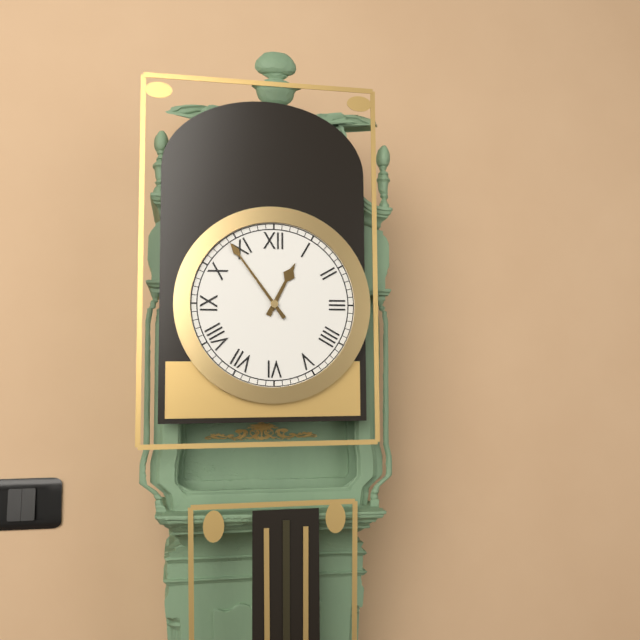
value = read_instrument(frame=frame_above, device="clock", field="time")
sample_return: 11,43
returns 12,54
